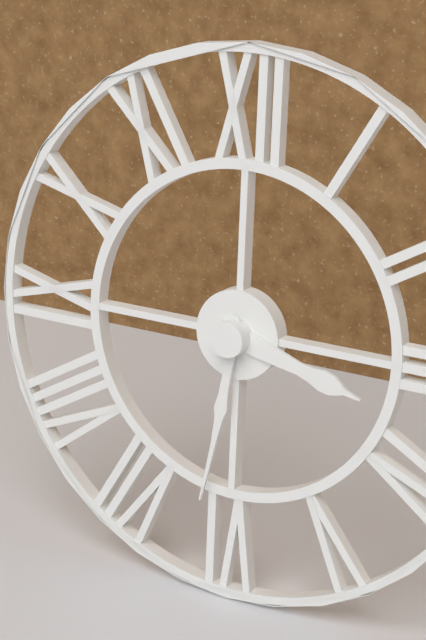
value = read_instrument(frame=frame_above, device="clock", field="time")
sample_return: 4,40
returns 3,31
